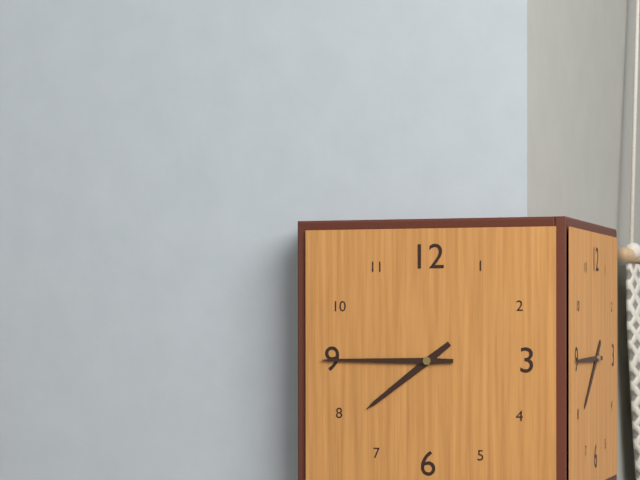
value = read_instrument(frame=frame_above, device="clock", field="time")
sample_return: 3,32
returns 7,45
